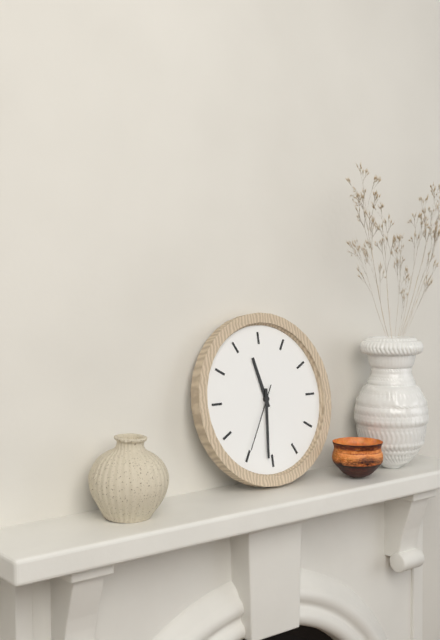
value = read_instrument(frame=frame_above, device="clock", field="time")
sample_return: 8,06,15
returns 11,31,35
